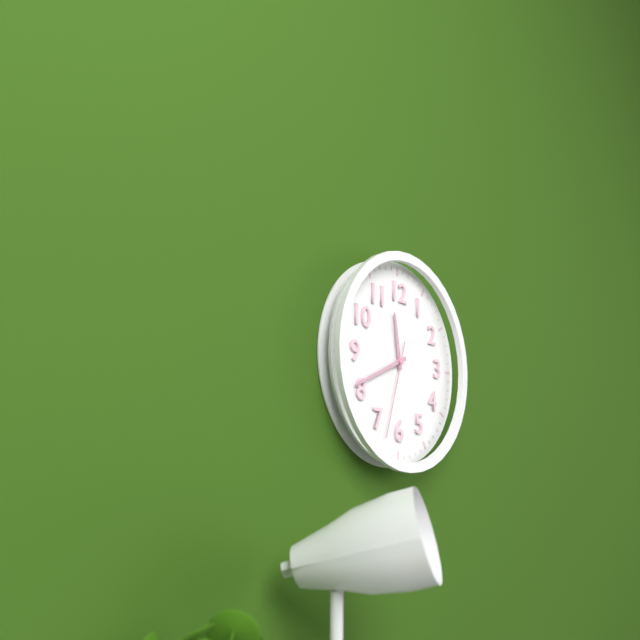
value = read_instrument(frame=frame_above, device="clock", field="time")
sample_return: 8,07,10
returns 11,41,33
